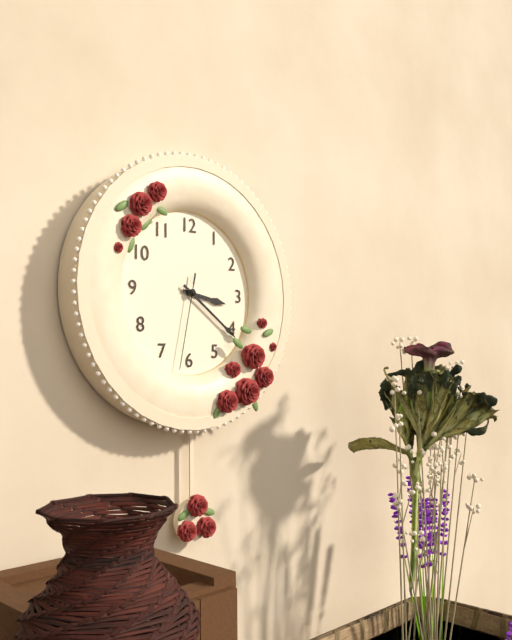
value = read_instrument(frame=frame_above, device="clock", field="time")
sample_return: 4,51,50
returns 3,21,32
